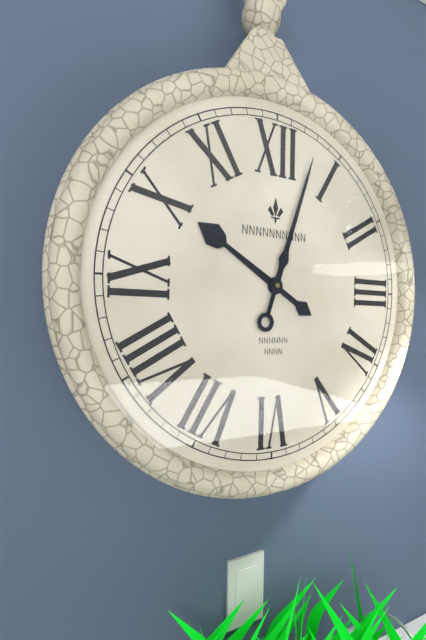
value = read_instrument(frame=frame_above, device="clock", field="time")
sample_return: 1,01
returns 10,03
